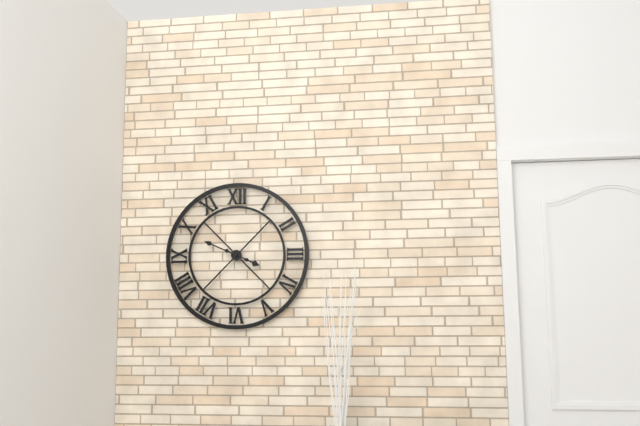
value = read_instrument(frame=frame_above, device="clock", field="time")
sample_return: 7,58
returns 3,49
